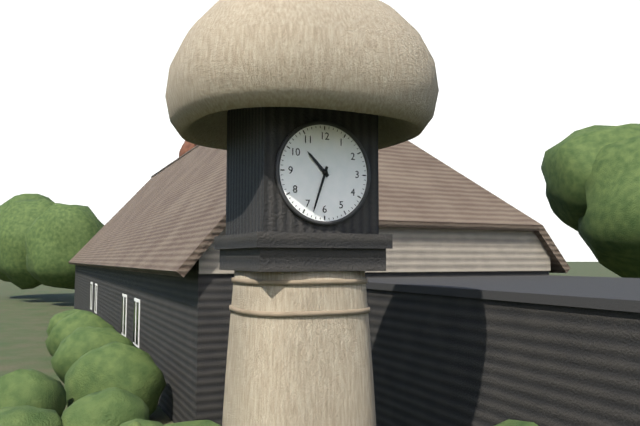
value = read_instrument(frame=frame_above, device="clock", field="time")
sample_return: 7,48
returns 10,33
